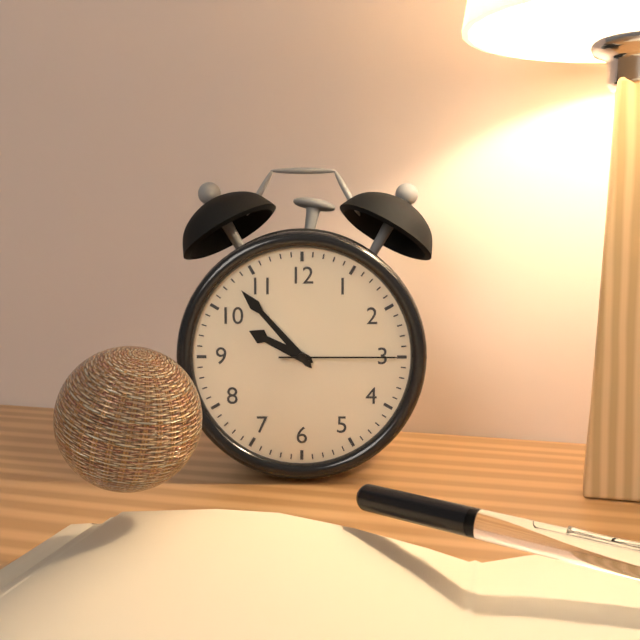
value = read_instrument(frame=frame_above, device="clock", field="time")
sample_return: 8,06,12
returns 9,53,15
